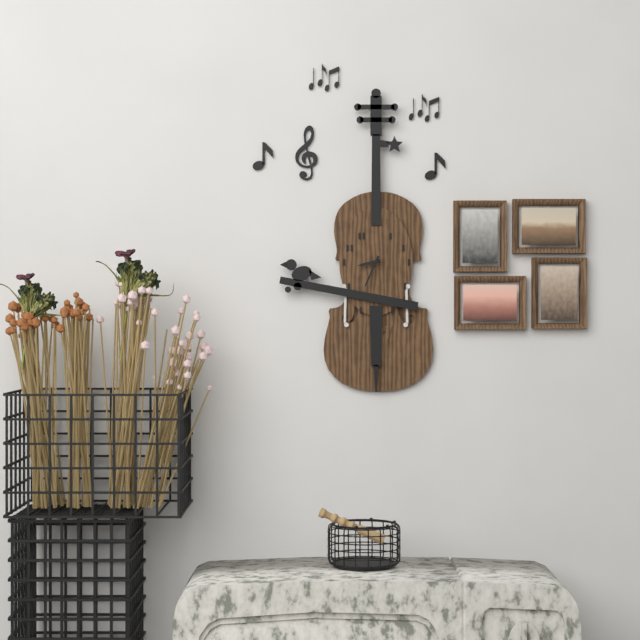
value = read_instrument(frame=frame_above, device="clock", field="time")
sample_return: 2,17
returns 8,34
